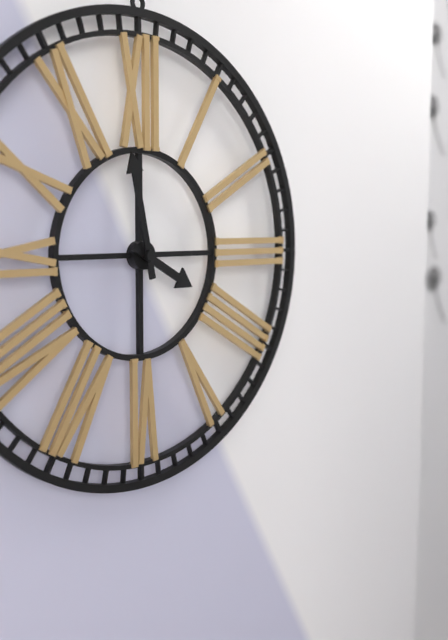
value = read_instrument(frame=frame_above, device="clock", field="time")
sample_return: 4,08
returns 3,58
